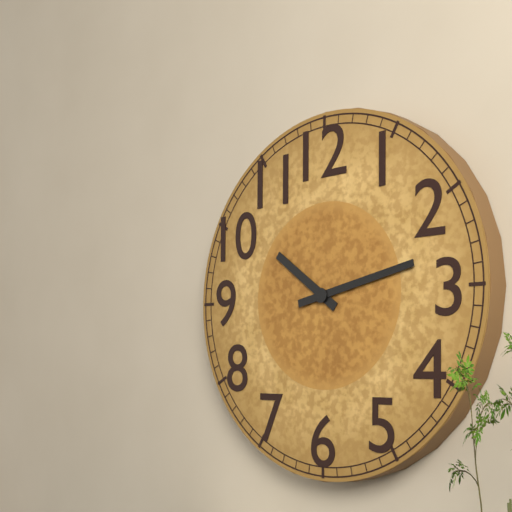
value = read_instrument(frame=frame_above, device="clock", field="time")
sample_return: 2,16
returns 10,13
